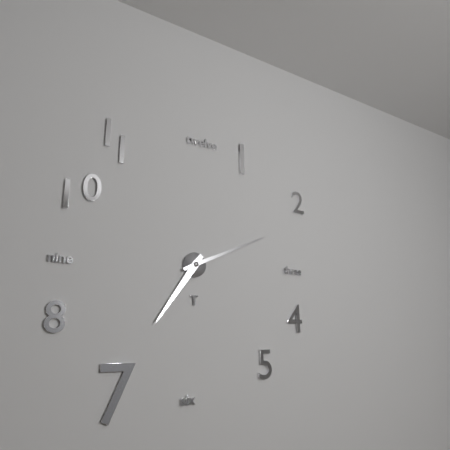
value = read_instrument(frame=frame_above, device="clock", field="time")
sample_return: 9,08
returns 7,11
